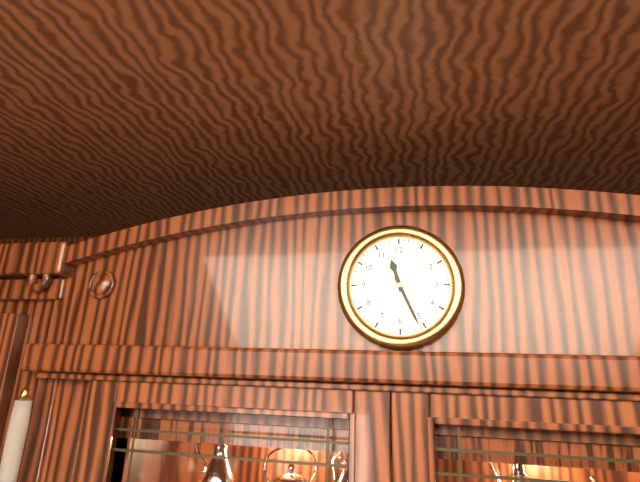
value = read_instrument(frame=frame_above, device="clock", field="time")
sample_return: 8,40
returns 11,26
